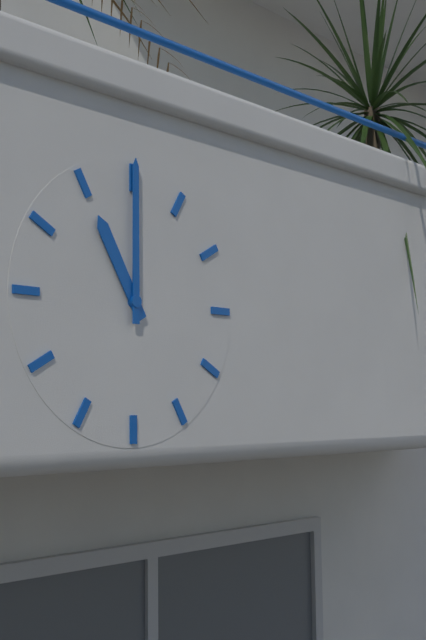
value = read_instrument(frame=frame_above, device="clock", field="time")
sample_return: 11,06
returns 11,00
